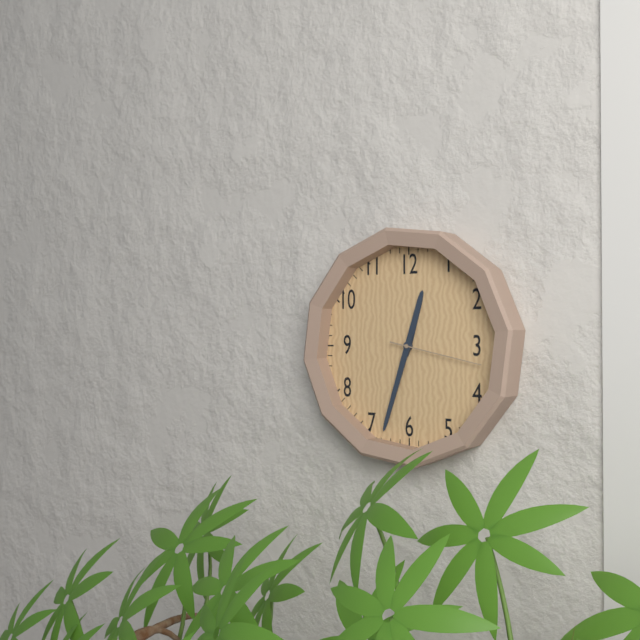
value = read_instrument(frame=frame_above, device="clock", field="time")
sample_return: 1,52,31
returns 12,33,17
